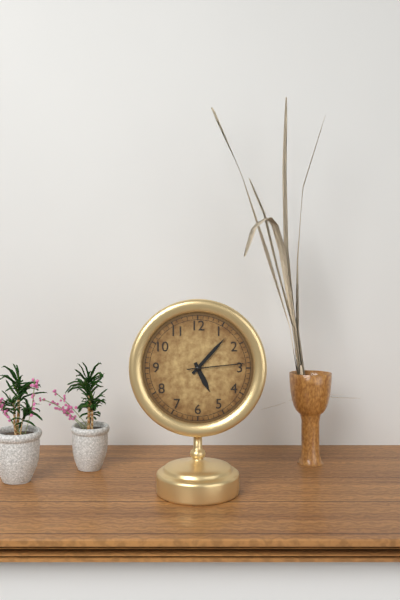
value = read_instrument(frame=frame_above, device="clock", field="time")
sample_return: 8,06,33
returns 5,07,14
